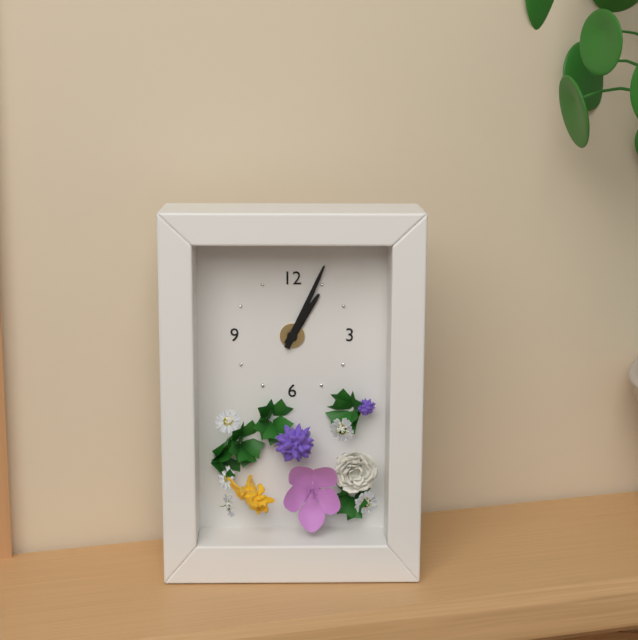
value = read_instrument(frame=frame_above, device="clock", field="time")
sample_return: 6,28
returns 1,04
